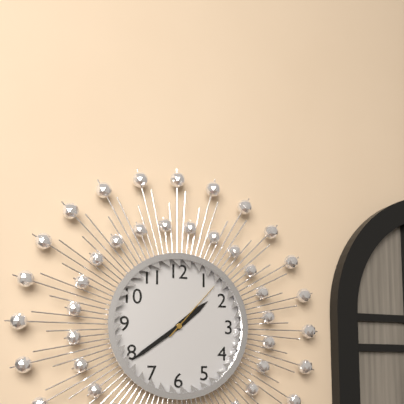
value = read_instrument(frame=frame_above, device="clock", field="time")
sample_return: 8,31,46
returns 1,39,07
